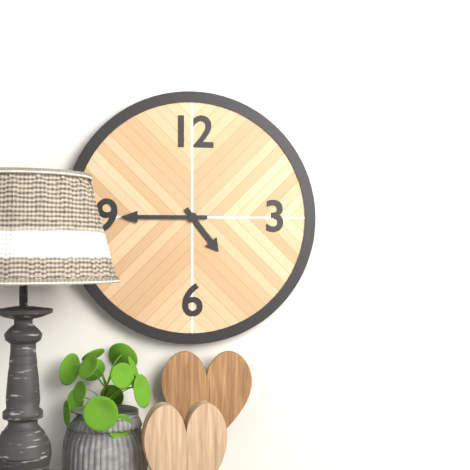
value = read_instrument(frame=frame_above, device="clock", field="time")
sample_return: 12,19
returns 4,45
